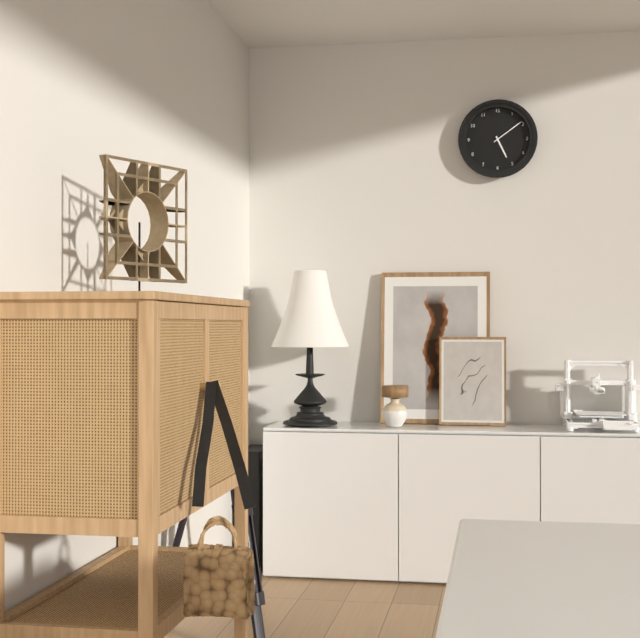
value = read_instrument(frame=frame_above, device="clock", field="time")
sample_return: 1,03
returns 5,09
